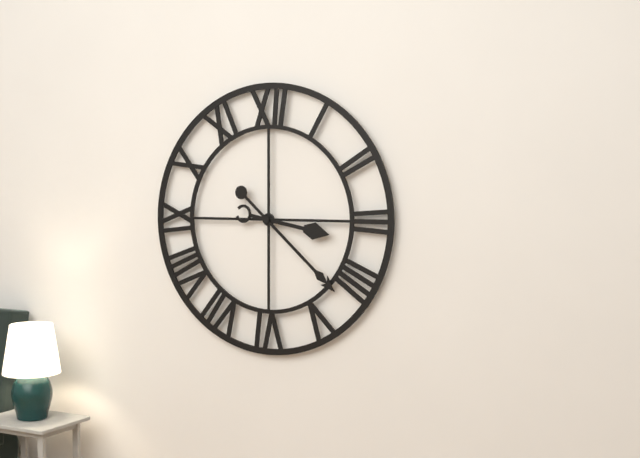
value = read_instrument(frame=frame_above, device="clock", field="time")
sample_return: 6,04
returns 3,22
